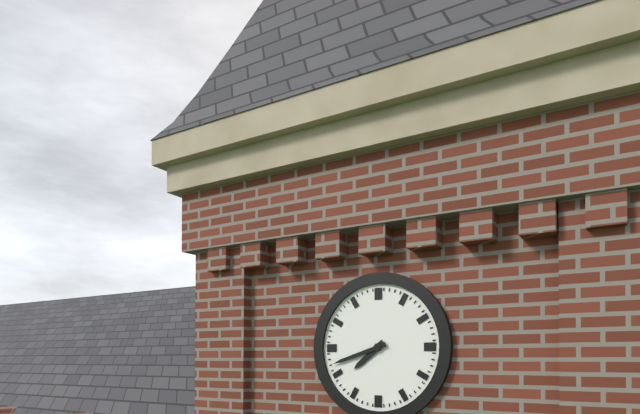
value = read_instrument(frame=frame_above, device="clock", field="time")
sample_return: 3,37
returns 7,42
